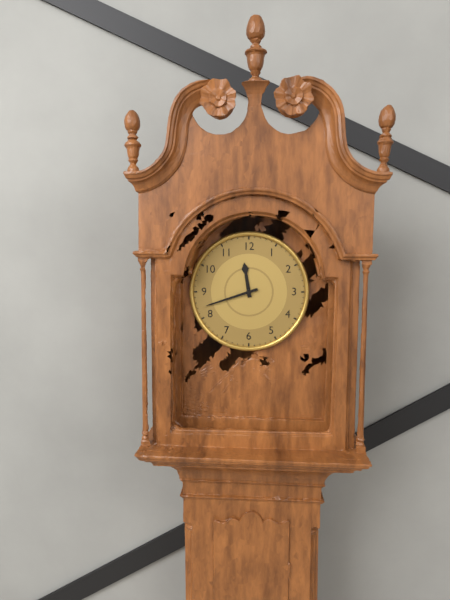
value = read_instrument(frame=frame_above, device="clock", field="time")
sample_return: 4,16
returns 11,42
